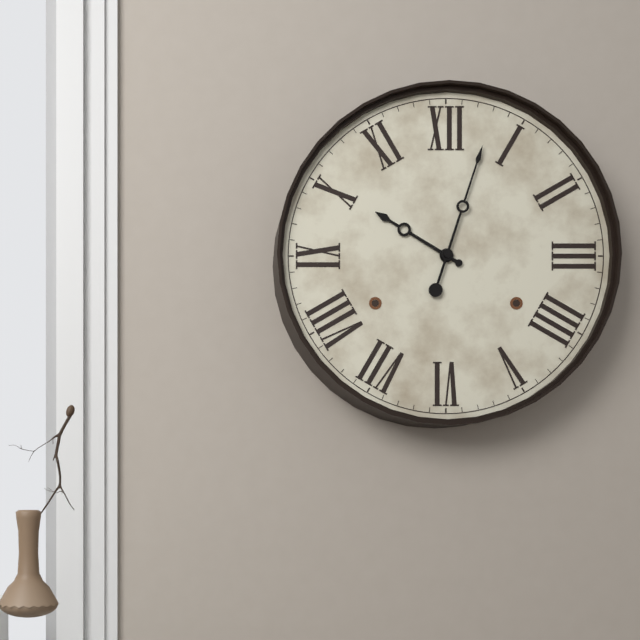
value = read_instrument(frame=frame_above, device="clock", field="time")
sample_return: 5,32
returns 10,03
